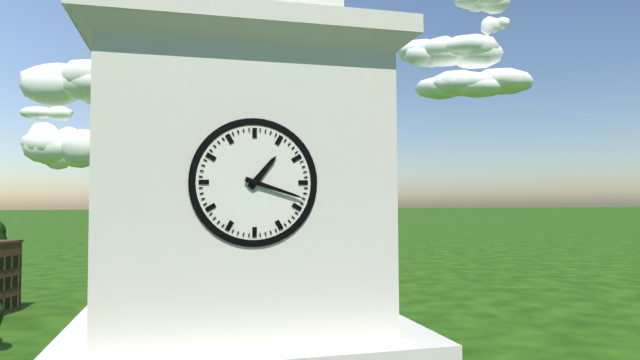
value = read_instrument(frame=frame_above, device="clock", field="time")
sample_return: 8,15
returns 1,18
